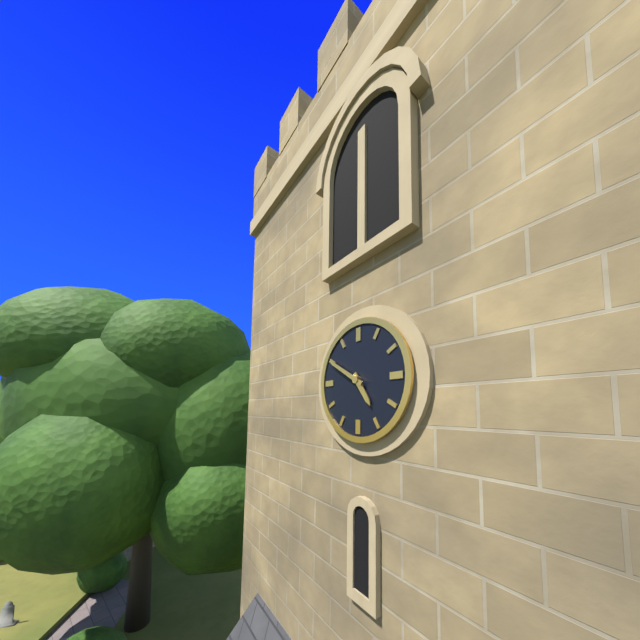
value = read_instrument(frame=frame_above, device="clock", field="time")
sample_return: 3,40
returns 4,50
